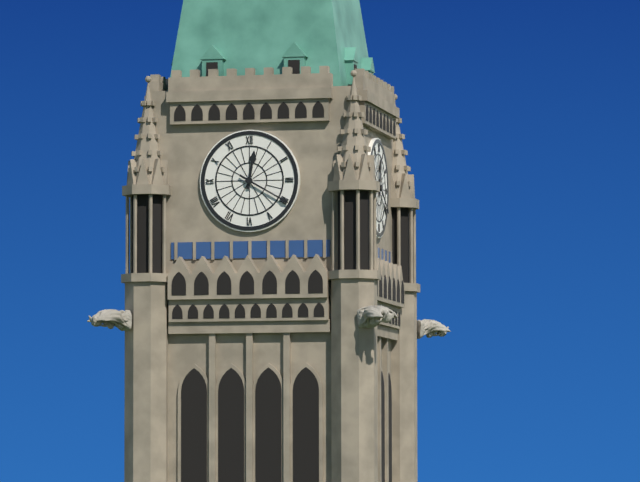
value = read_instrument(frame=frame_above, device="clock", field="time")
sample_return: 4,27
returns 12,20
